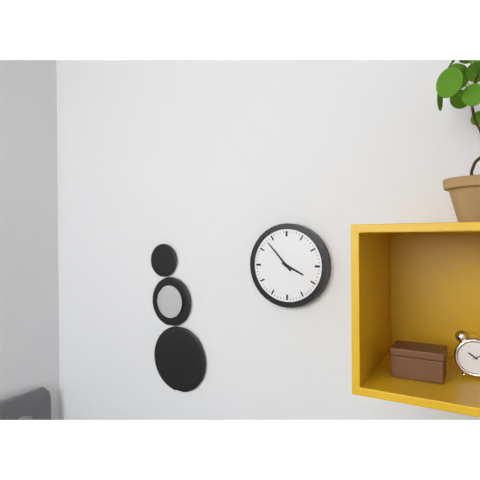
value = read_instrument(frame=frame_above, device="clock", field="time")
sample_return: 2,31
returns 3,53
